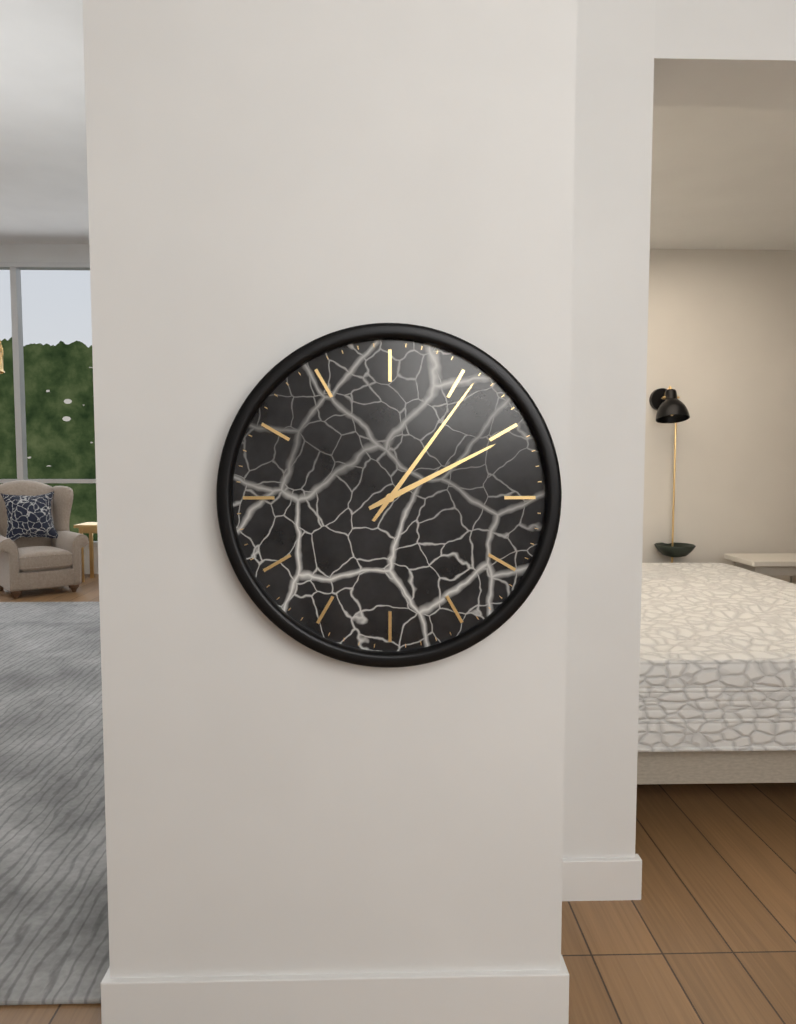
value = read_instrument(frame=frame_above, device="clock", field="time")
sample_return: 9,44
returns 2,06
